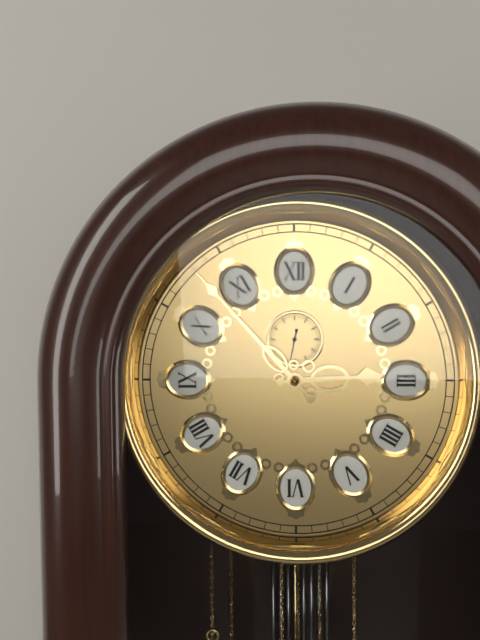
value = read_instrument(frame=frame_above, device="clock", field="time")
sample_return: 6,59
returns 2,53
